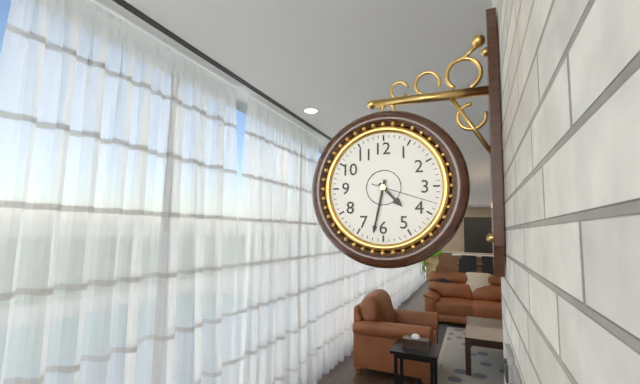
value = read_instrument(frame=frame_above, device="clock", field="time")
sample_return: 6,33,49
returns 4,32,18
